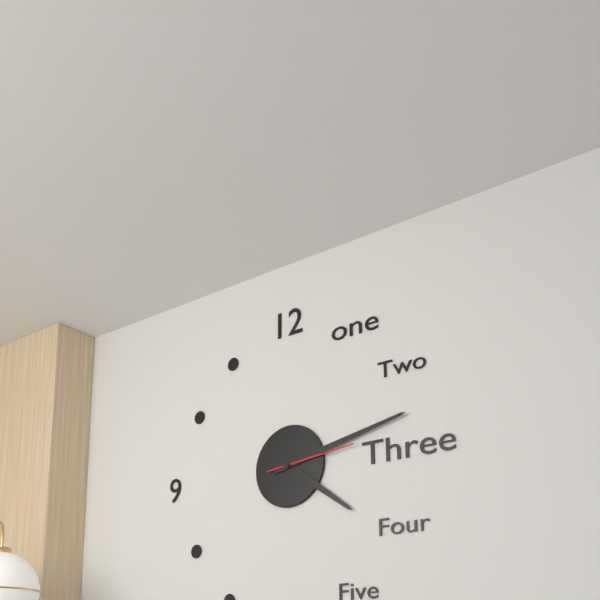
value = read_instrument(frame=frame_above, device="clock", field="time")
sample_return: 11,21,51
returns 4,13,14
